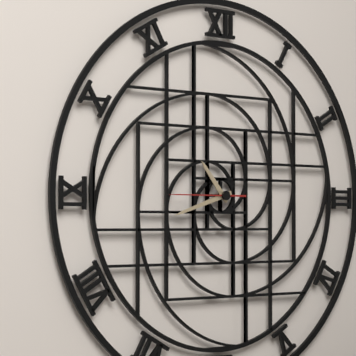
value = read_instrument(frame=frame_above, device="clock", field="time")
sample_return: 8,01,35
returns 10,42,45
